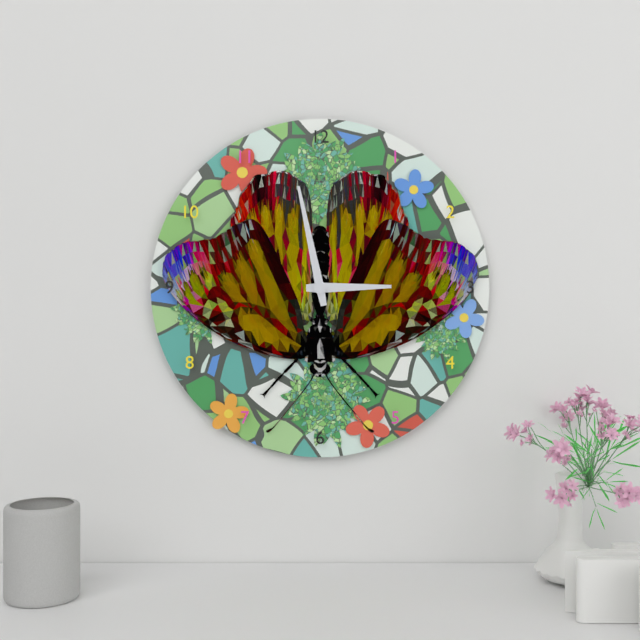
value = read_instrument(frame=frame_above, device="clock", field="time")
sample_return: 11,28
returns 2,58
